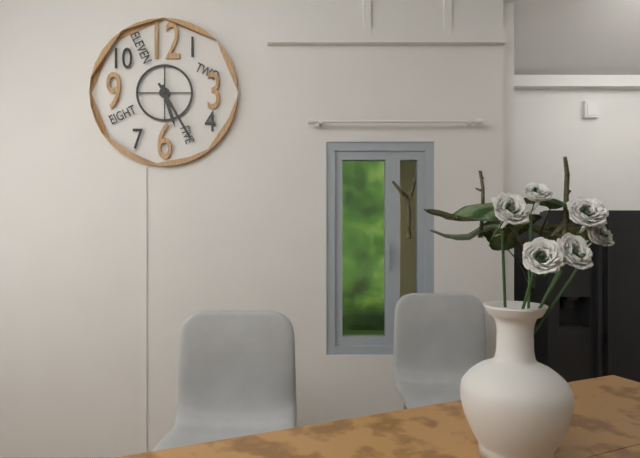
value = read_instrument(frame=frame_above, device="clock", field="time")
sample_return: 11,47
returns 5,25
